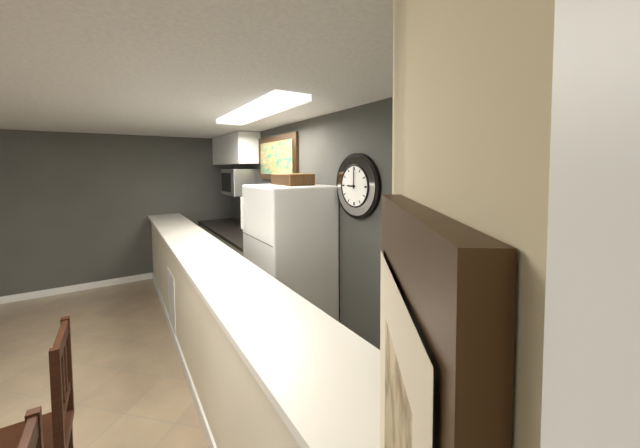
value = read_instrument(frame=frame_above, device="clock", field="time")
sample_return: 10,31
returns 9,00
